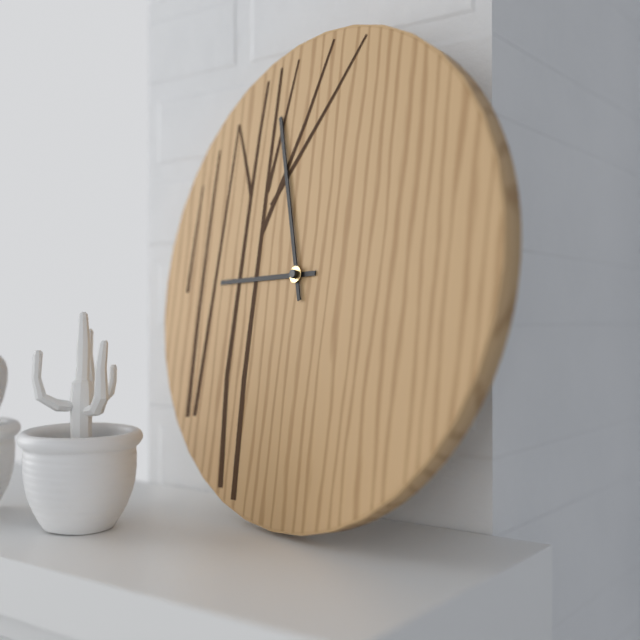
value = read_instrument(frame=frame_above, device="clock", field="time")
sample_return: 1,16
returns 8,57
